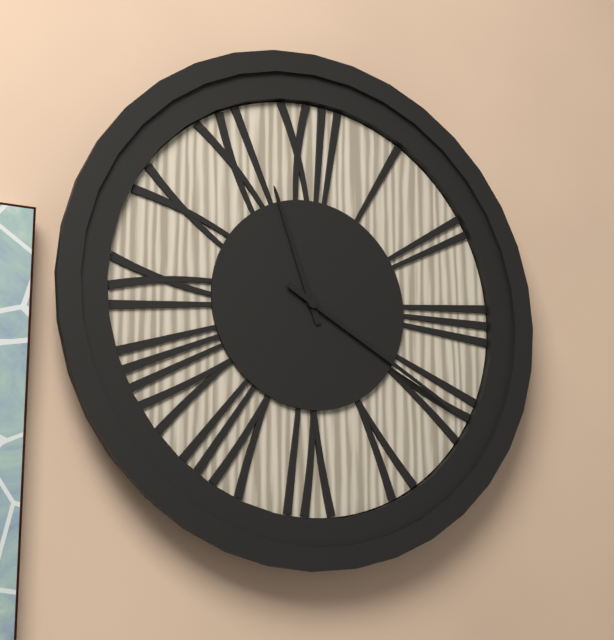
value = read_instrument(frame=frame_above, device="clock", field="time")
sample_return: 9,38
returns 11,20
